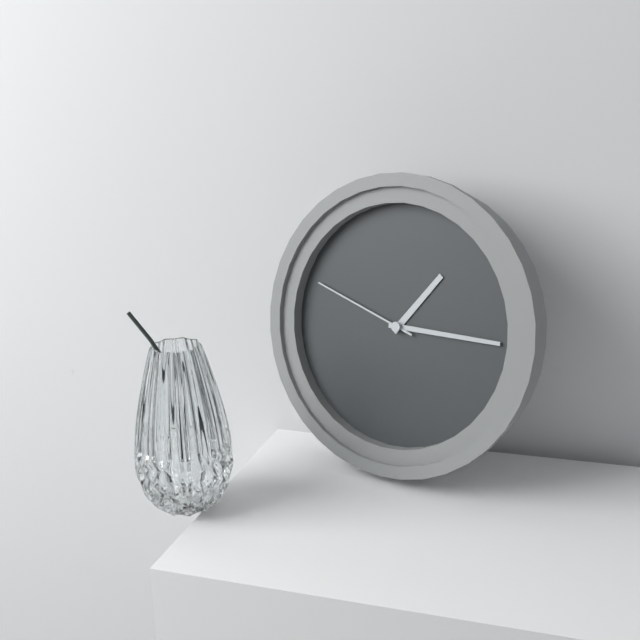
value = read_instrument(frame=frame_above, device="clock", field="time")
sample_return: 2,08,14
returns 1,15,48
